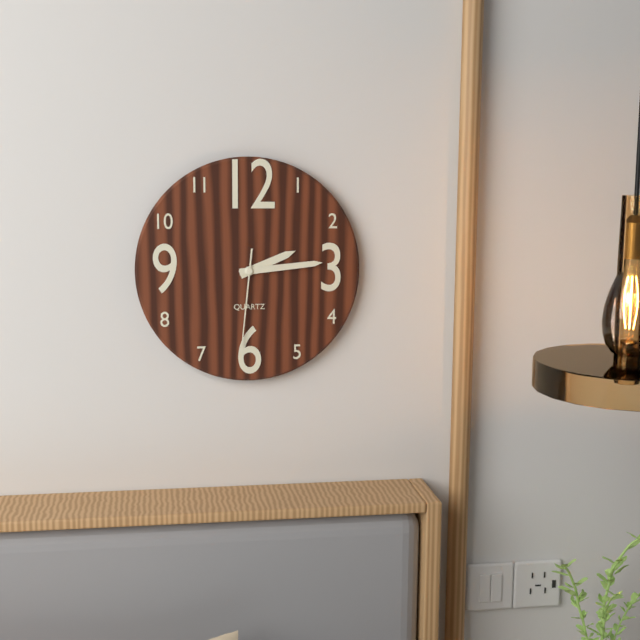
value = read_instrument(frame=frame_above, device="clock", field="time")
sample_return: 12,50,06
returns 2,14,31
